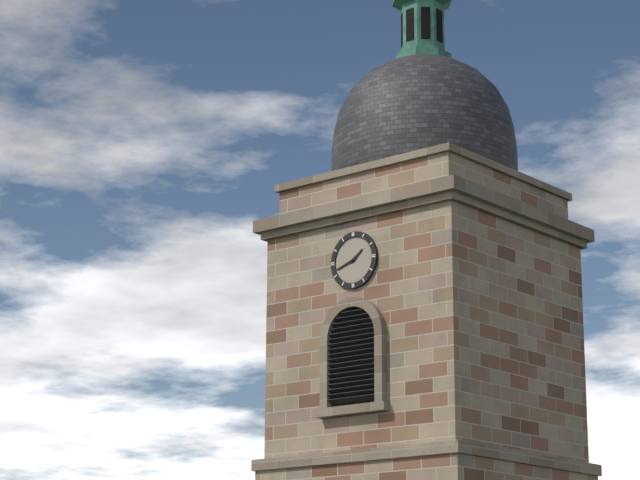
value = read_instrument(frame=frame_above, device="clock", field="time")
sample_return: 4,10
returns 1,42
